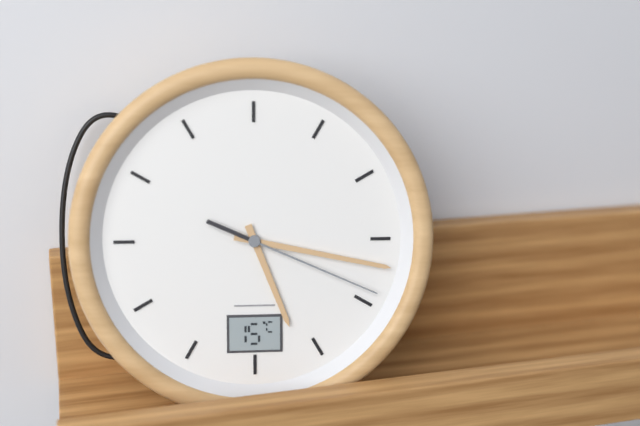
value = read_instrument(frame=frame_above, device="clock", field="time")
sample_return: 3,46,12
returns 5,17,19
